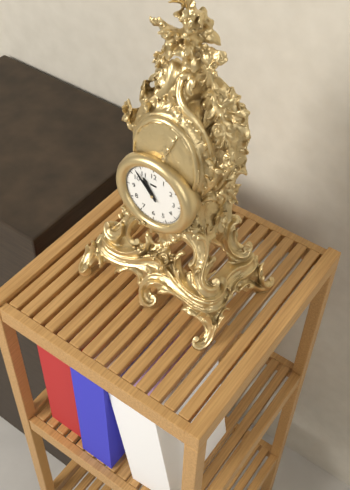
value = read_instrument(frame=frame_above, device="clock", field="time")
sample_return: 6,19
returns 10,53
